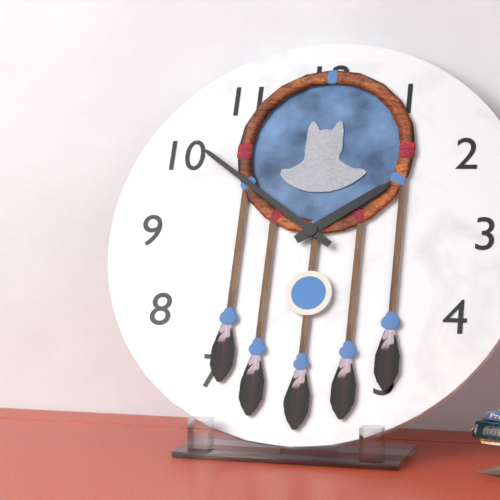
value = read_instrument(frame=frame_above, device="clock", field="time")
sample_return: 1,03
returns 1,51
